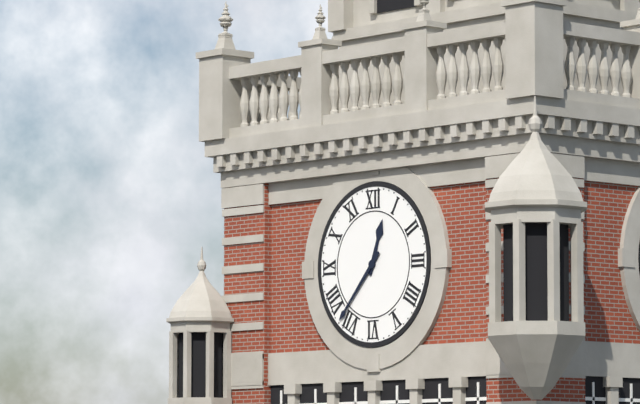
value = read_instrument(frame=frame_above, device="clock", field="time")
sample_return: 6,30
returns 12,37
